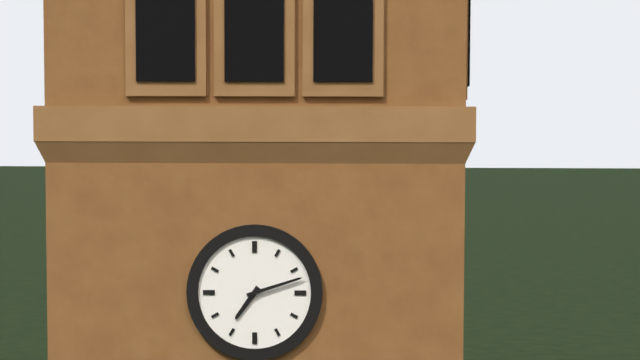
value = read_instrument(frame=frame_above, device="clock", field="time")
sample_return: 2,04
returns 7,12
